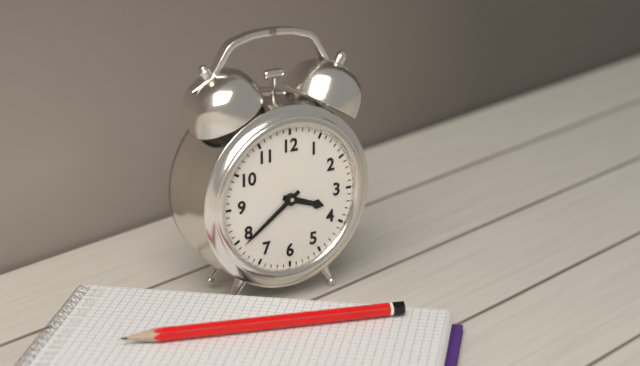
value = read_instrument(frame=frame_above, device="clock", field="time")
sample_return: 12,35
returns 3,39
